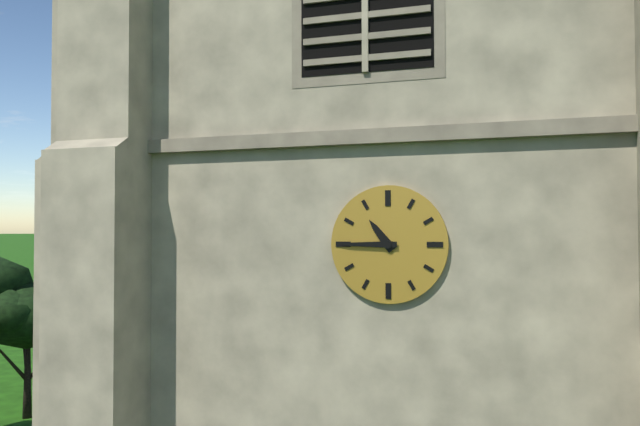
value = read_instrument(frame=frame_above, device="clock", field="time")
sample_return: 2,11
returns 10,45
